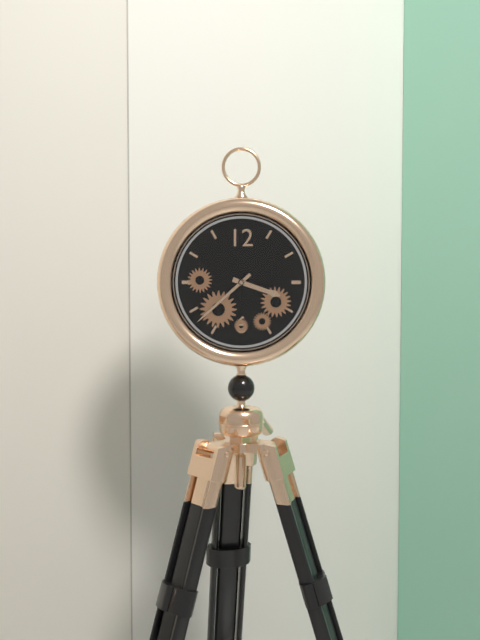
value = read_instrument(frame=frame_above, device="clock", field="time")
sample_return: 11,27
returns 3,38
